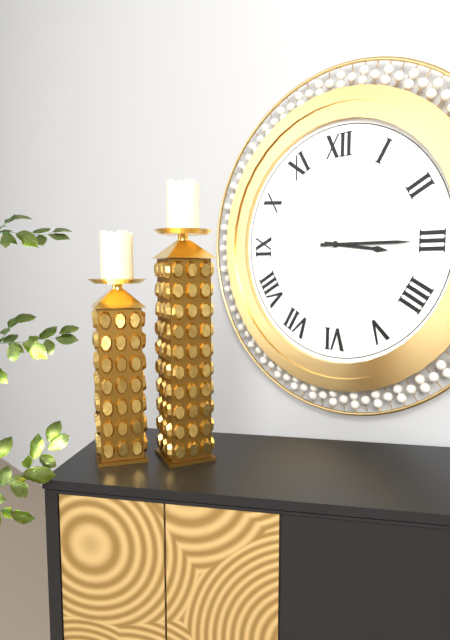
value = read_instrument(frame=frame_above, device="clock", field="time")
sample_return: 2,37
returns 3,15
